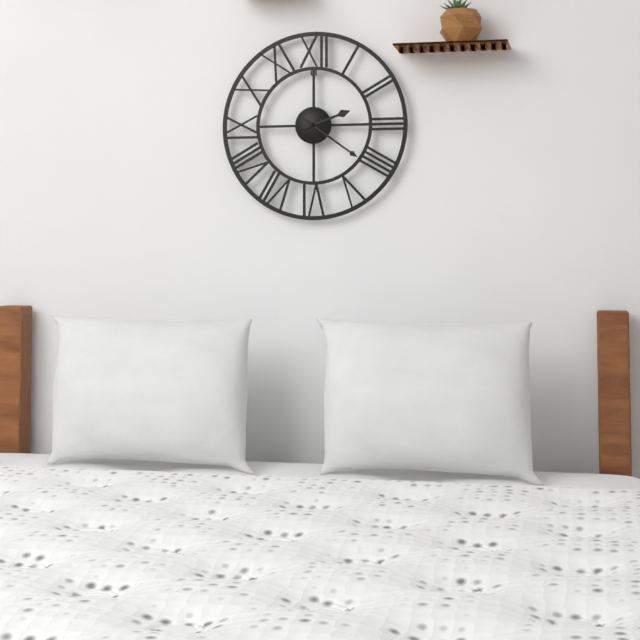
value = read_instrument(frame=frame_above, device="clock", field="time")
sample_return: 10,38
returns 2,21
